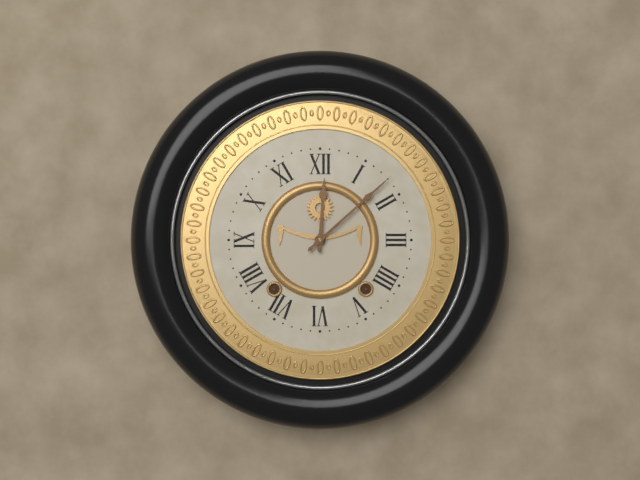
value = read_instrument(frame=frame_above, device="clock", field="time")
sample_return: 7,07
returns 12,08
